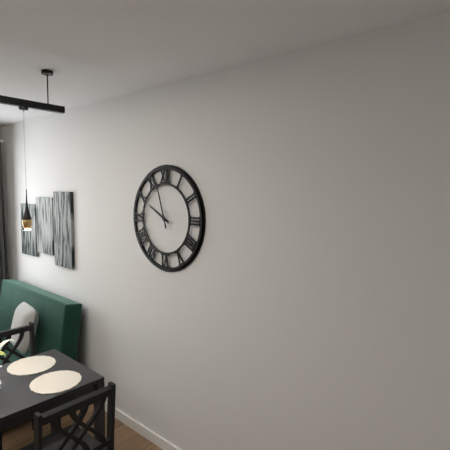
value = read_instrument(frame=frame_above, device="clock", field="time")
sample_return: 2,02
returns 9,57
